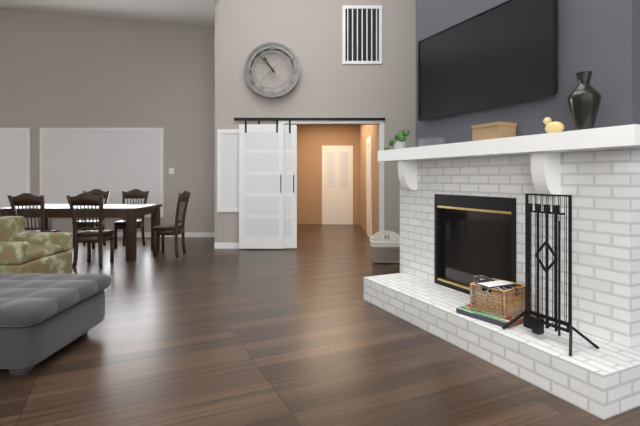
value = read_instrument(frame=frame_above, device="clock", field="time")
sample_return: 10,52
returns 10,53
